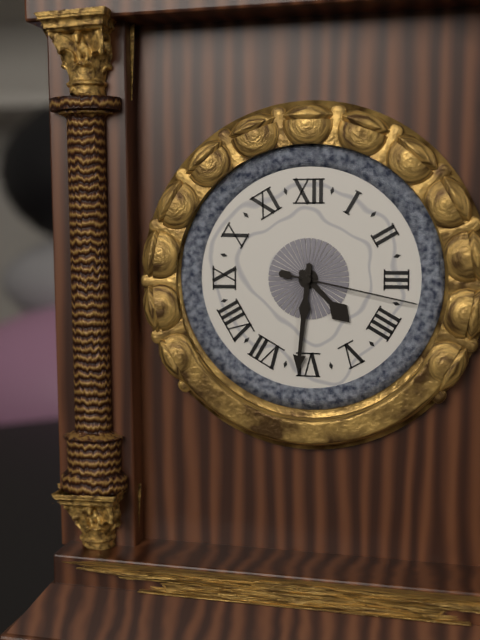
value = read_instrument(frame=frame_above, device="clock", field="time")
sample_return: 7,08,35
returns 4,31,17
